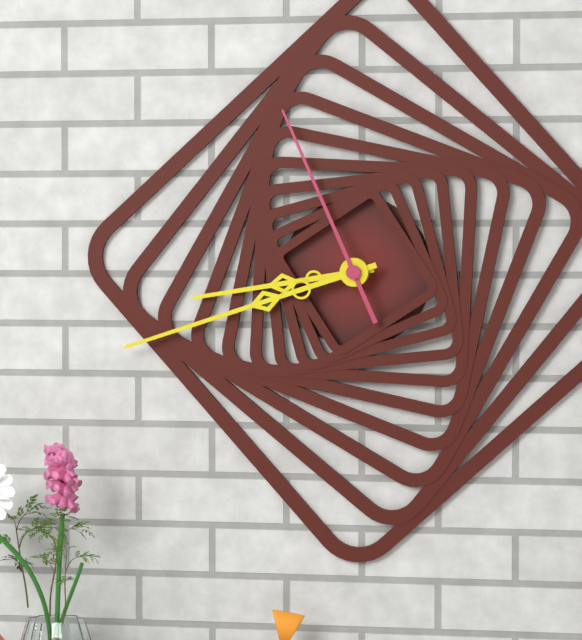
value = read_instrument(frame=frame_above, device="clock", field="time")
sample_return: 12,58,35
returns 8,42,56
